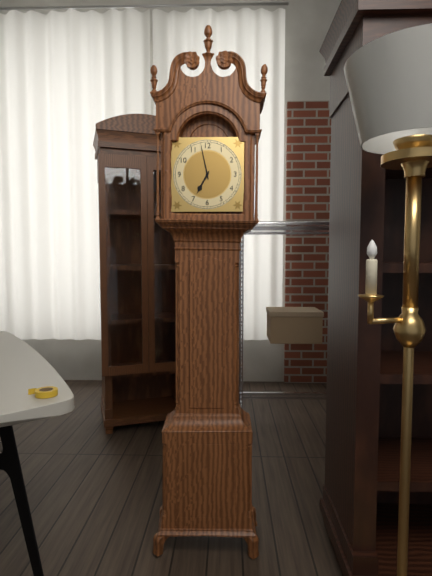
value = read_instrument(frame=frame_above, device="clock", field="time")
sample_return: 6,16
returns 6,58
